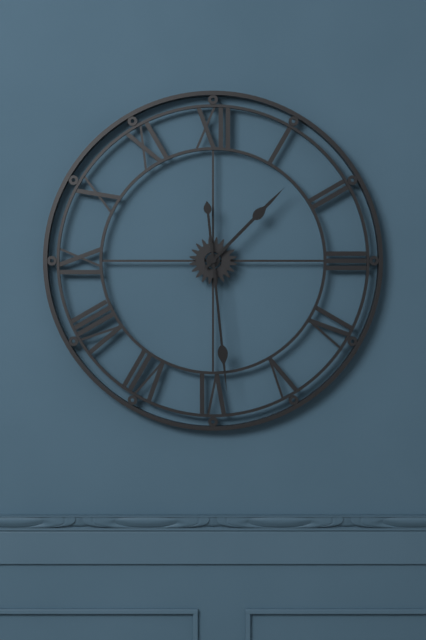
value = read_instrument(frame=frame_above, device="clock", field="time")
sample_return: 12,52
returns 1,29
